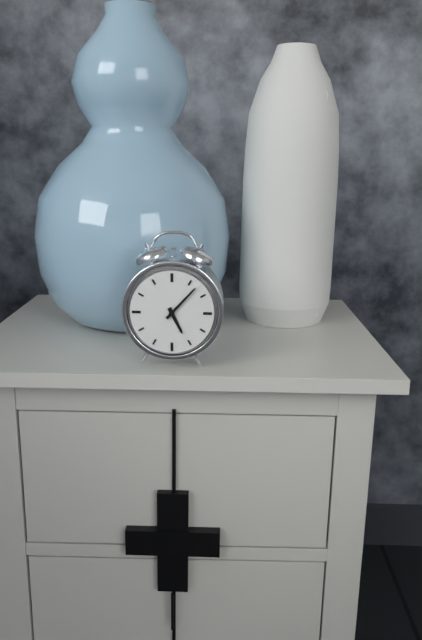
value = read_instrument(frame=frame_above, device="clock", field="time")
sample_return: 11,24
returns 5,07
